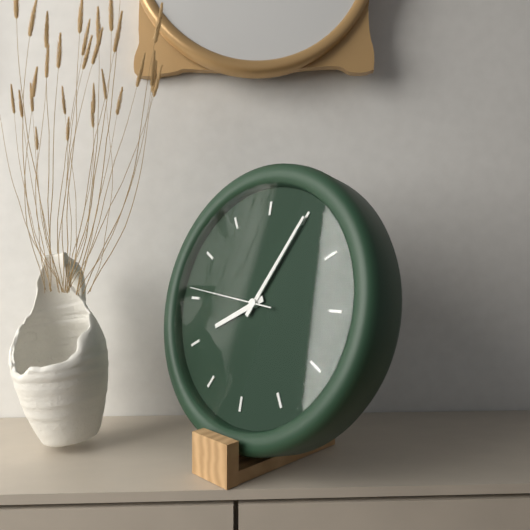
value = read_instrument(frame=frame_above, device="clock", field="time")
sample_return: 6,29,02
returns 8,05,46
